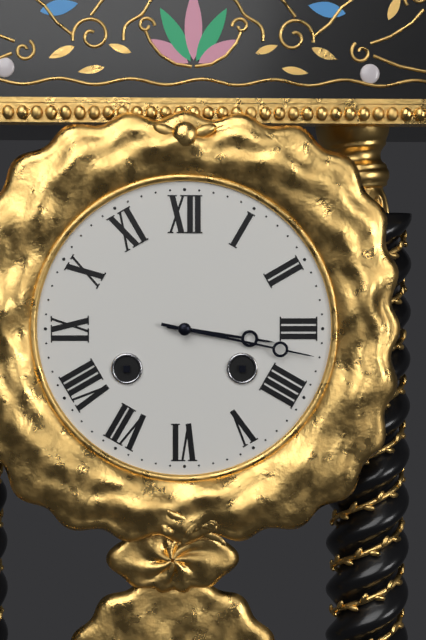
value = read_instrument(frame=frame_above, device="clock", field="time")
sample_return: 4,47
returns 3,17
